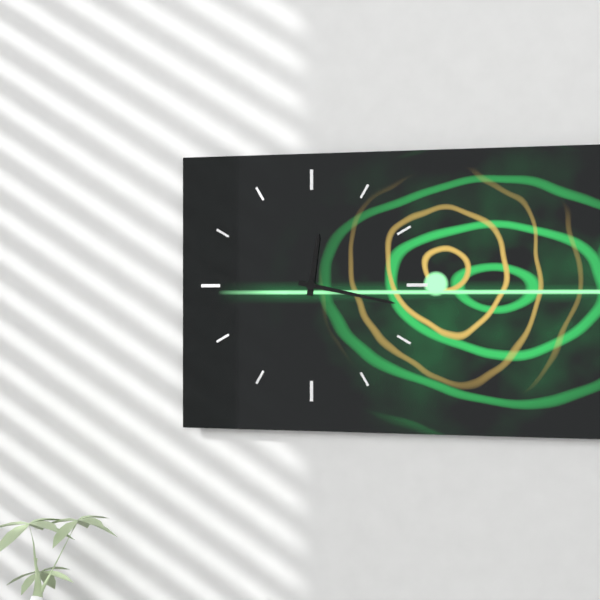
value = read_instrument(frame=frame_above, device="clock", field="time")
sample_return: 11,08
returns 12,17
